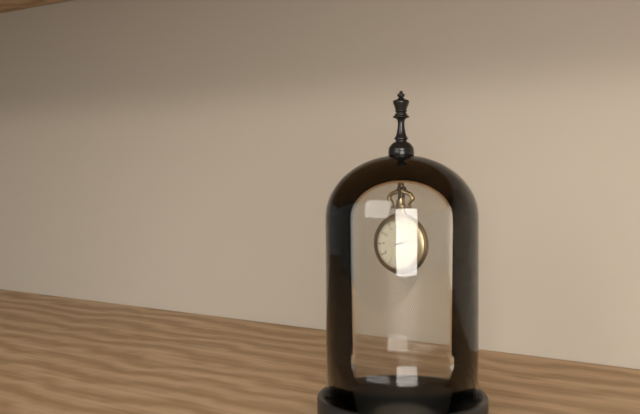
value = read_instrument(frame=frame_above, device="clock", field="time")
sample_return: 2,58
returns 2,13
